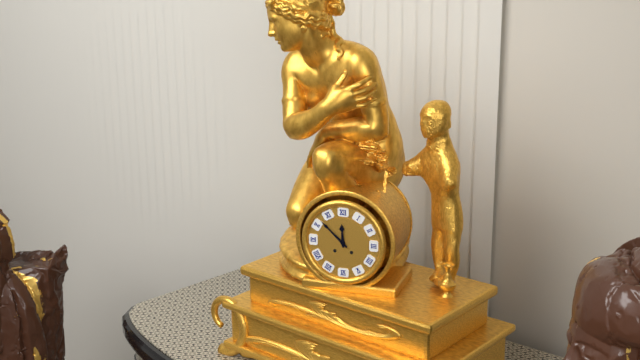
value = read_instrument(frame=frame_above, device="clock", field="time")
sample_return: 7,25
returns 11,52
